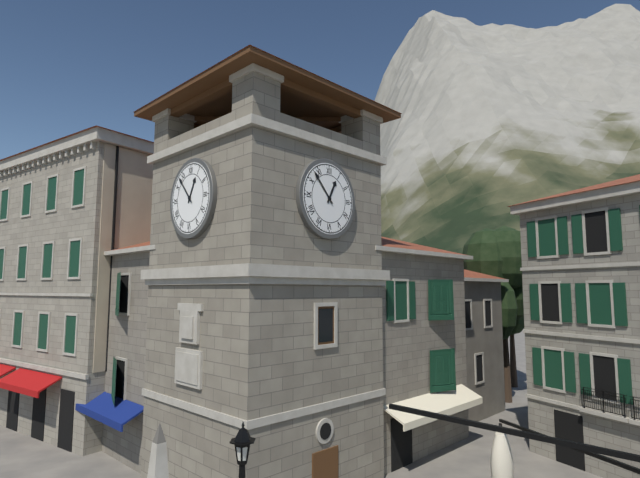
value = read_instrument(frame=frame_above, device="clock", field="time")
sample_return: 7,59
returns 12,53
